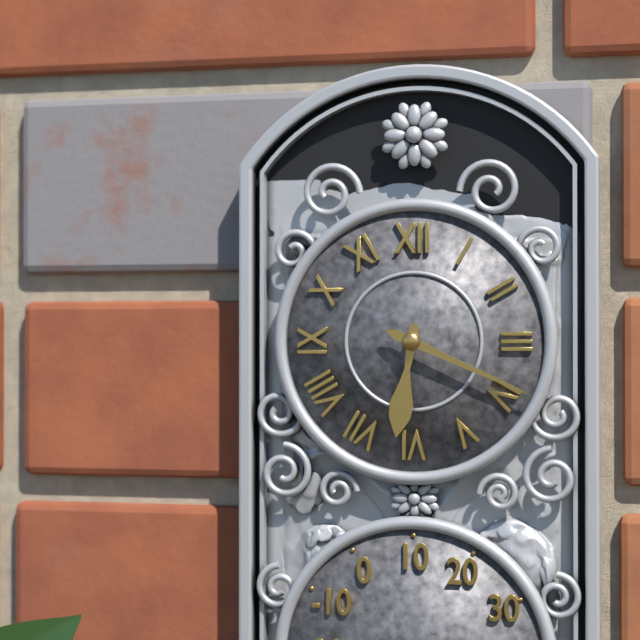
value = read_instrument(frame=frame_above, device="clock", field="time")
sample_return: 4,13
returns 6,19
